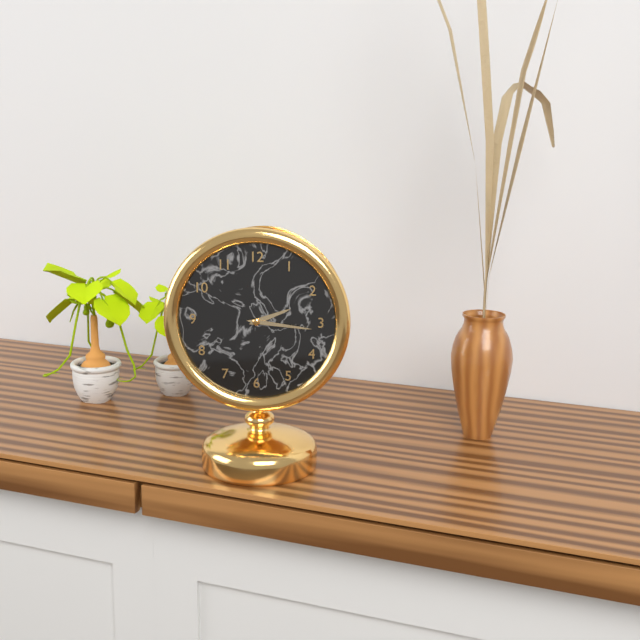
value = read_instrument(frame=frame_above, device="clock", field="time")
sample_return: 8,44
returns 2,16
